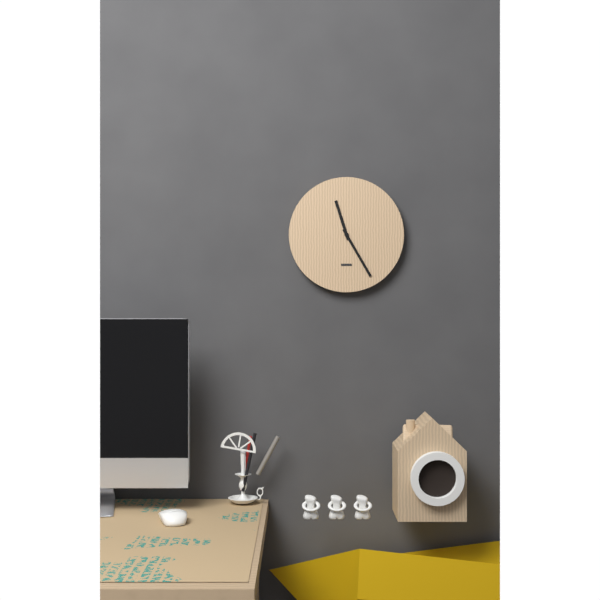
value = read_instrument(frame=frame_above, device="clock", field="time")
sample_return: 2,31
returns 11,25
